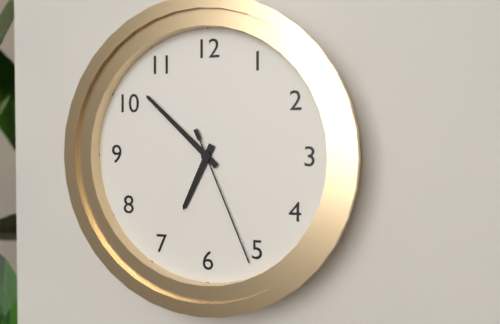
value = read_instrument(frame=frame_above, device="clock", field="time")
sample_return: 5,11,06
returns 6,52,26
